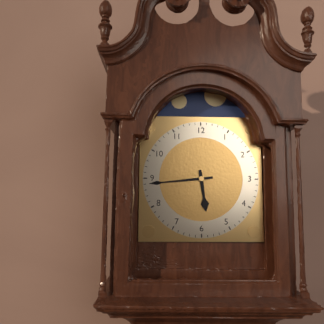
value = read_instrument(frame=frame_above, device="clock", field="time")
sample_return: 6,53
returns 5,44
